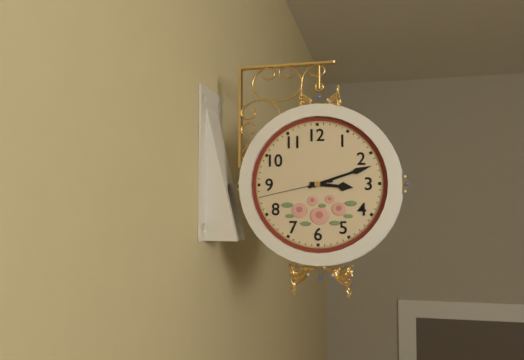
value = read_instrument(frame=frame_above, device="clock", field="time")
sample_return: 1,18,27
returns 3,12,43
